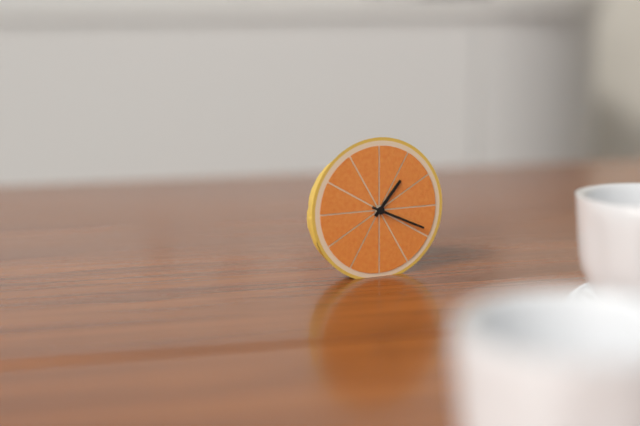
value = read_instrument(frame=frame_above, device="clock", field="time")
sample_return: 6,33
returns 1,19
